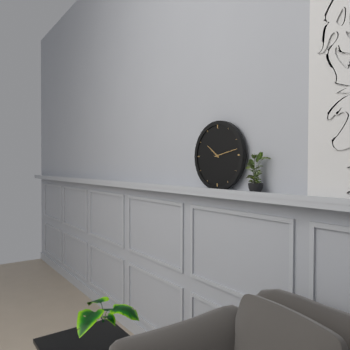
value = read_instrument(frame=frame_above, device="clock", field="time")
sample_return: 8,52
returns 10,13
